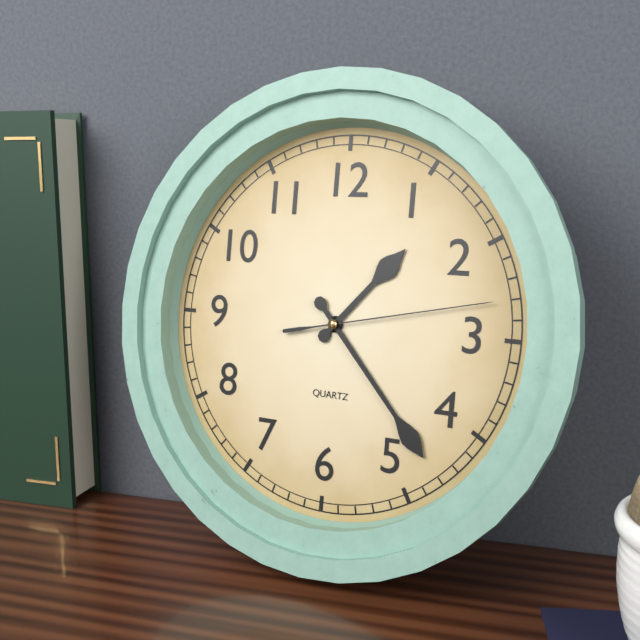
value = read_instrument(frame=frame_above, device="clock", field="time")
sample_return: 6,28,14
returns 1,23,13
